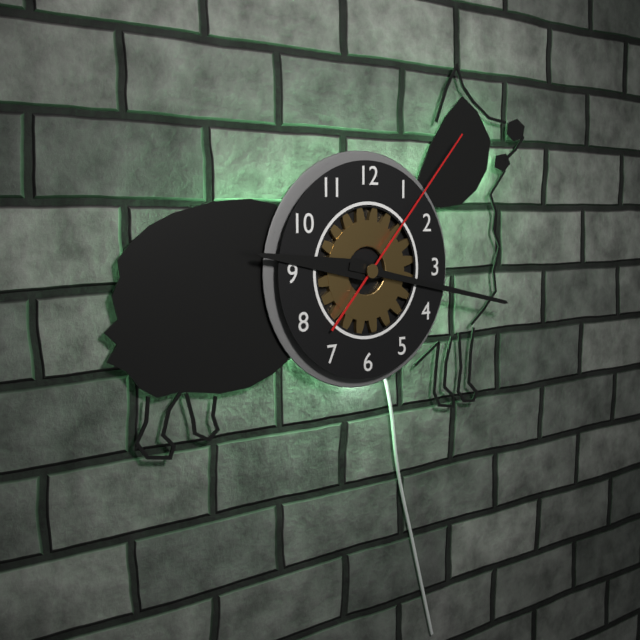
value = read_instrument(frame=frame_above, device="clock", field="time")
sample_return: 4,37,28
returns 9,17,07
